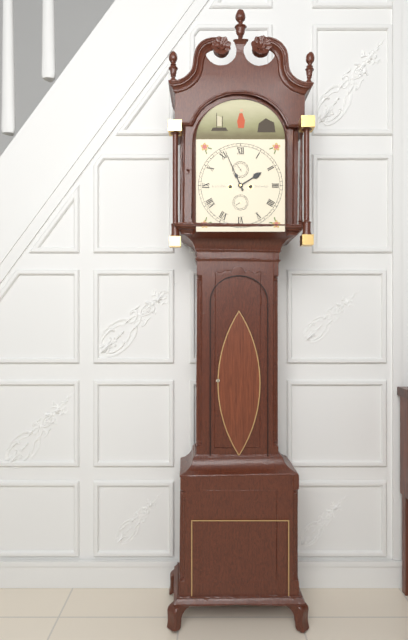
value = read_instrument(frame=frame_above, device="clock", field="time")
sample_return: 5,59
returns 1,56
